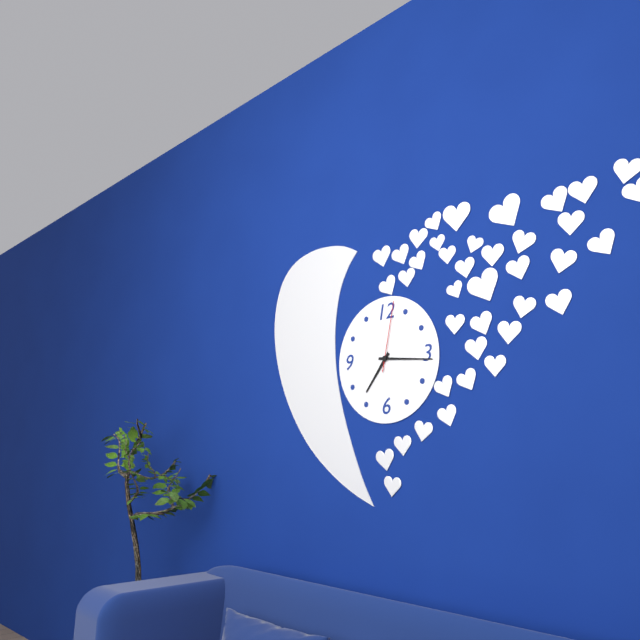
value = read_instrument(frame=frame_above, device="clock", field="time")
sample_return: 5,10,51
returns 7,16,02
